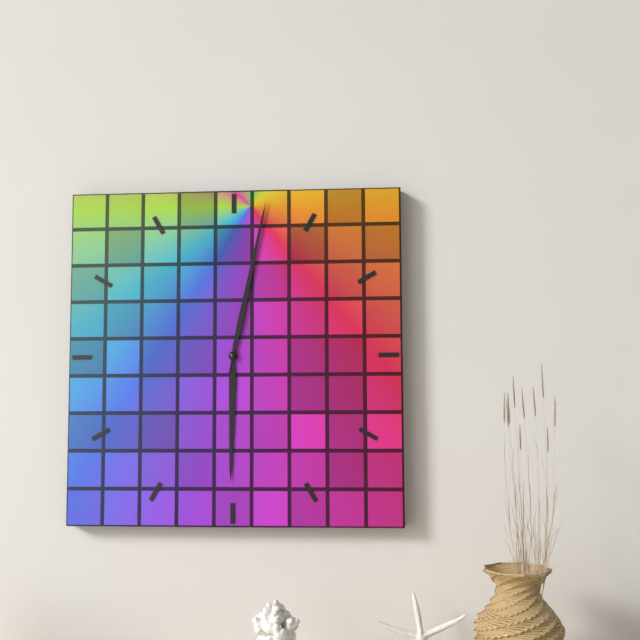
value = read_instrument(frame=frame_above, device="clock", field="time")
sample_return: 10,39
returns 6,02
